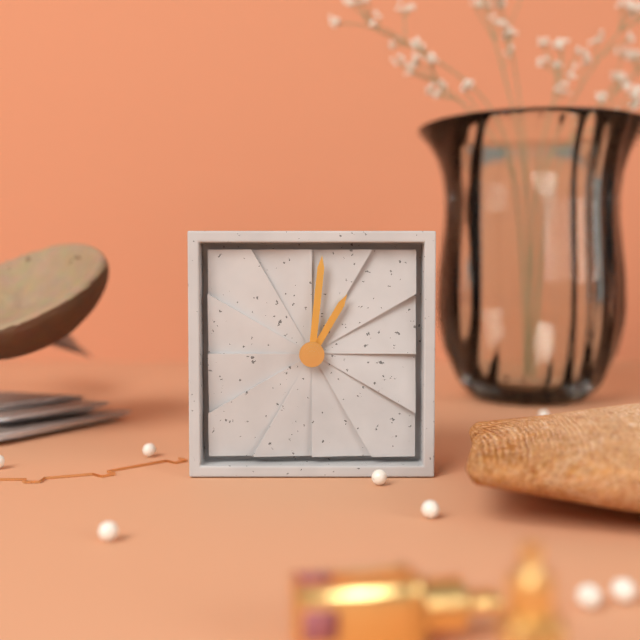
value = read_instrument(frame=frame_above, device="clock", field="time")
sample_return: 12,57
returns 1,01
